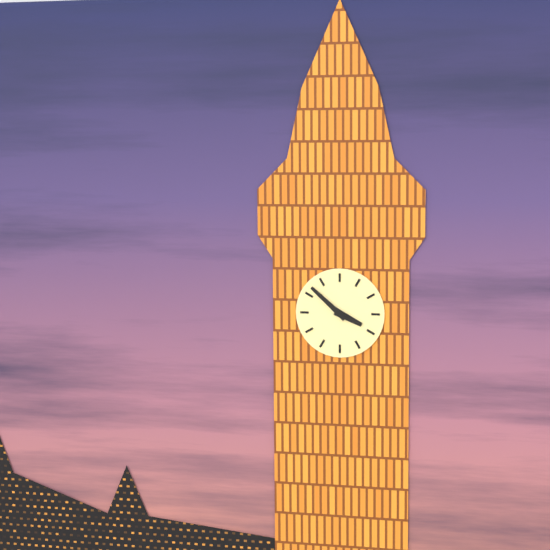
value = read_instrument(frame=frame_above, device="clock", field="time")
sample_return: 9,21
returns 3,52
